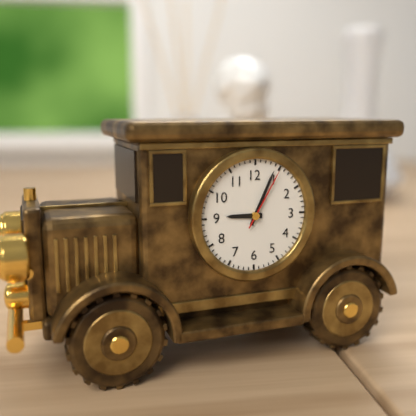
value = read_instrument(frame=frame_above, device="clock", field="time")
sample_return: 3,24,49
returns 9,04,05
